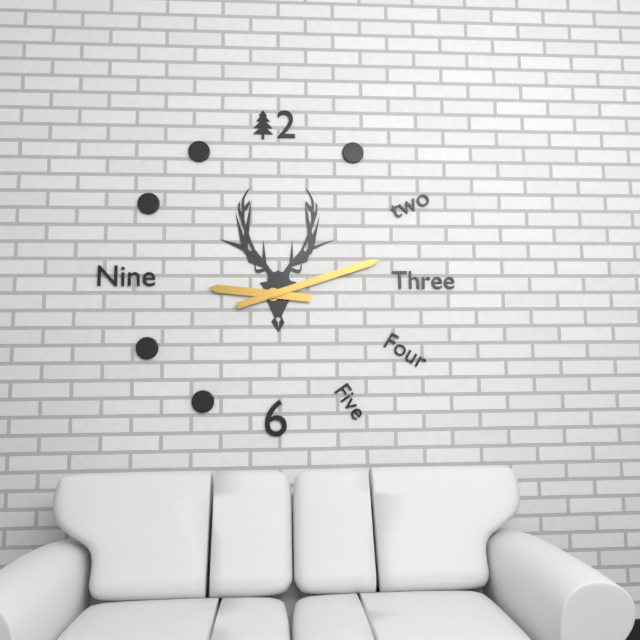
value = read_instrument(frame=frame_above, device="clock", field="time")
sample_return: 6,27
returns 9,12
